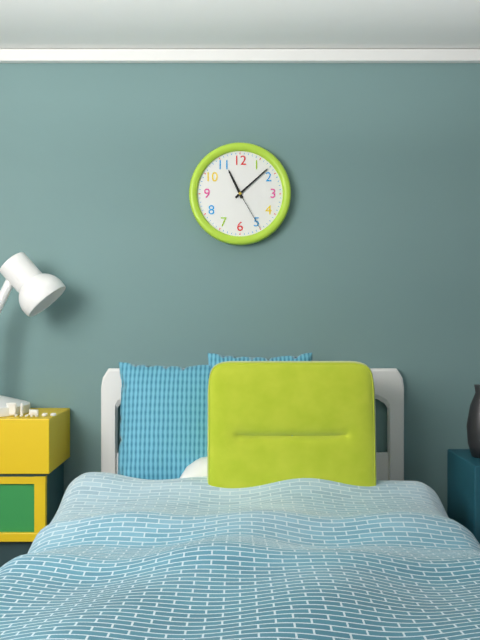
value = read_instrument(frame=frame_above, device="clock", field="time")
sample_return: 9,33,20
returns 11,08,25
